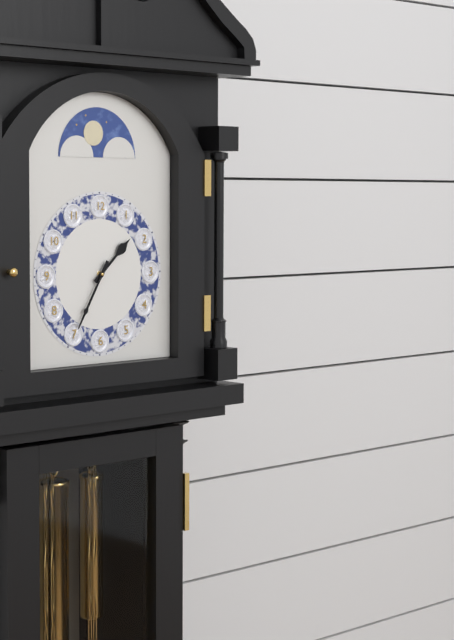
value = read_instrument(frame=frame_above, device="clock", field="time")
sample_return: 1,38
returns 1,35
